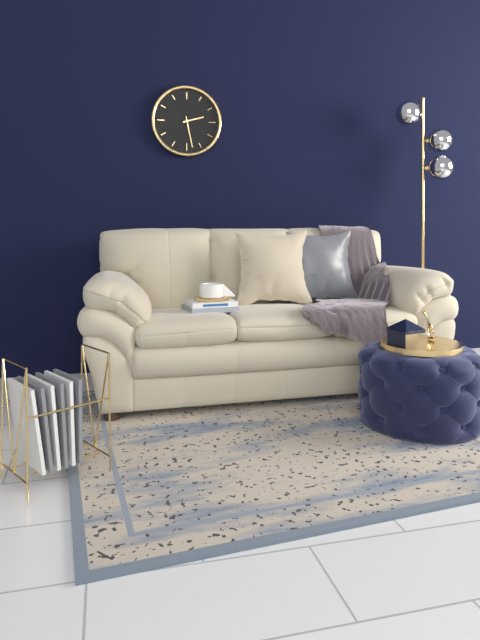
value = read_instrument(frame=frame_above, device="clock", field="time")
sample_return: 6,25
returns 2,28
